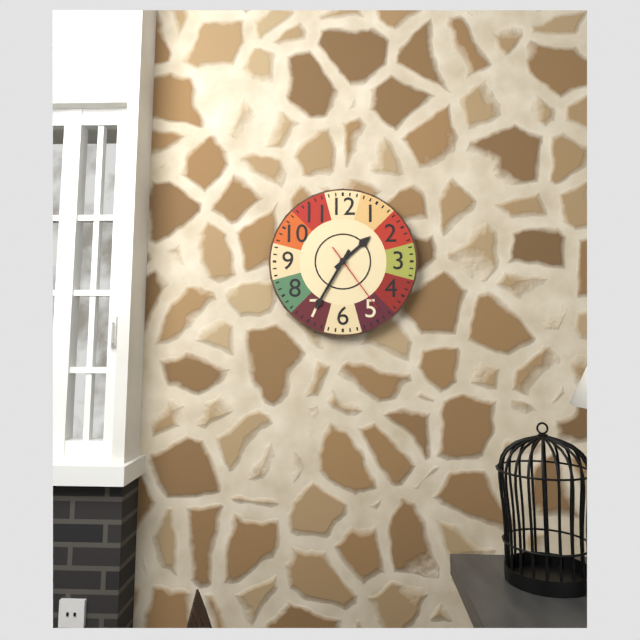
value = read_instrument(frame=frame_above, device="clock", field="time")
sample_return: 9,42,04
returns 1,35,24
